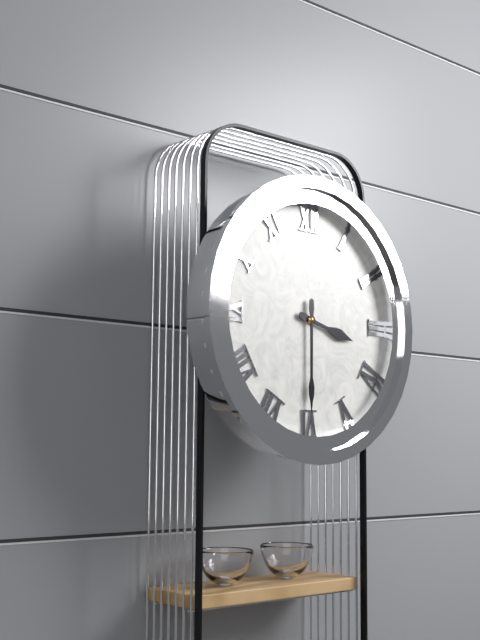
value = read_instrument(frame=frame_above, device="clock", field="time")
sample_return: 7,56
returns 3,30
